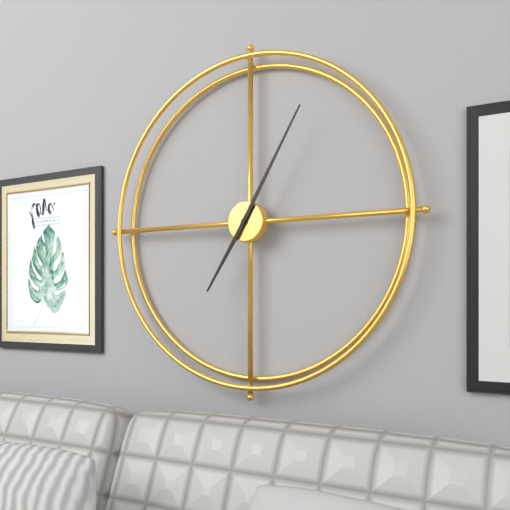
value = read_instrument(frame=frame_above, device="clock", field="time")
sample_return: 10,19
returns 7,05
